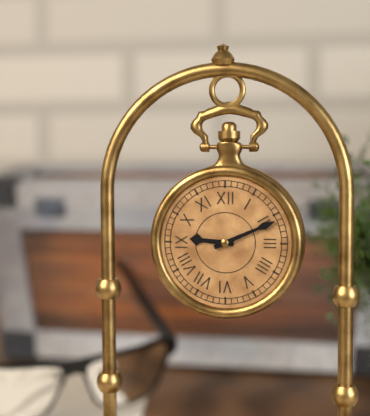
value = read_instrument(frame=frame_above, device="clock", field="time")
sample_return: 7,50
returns 9,11
